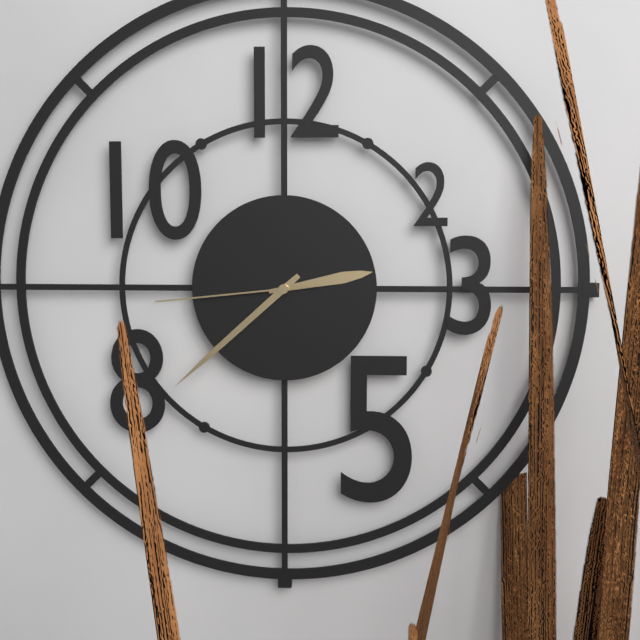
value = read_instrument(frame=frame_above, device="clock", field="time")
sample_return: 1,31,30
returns 2,38,44
